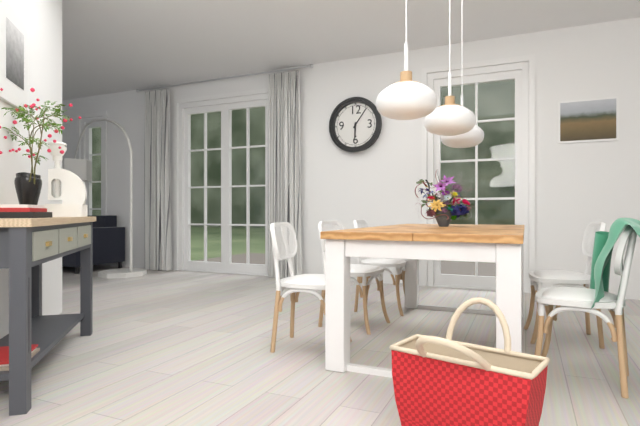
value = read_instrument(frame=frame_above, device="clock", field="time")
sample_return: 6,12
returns 6,06
